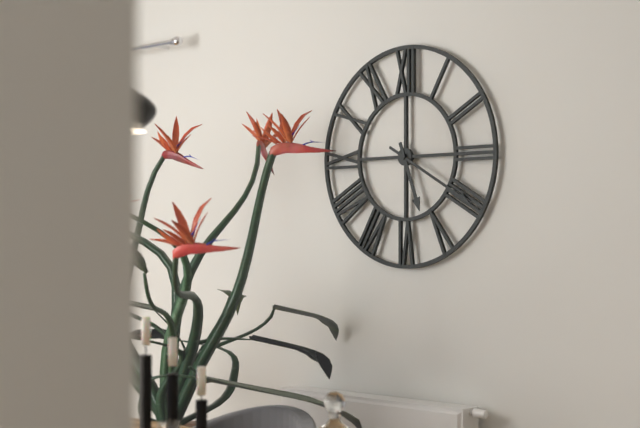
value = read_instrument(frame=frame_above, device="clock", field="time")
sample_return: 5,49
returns 5,20
